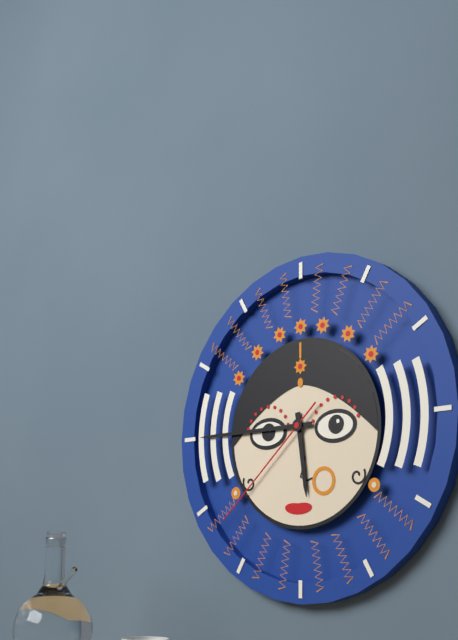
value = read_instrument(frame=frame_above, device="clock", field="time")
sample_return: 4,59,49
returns 5,45,38
